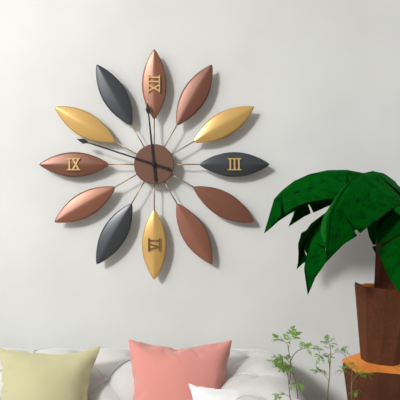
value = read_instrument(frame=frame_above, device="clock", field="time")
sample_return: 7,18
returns 11,48
